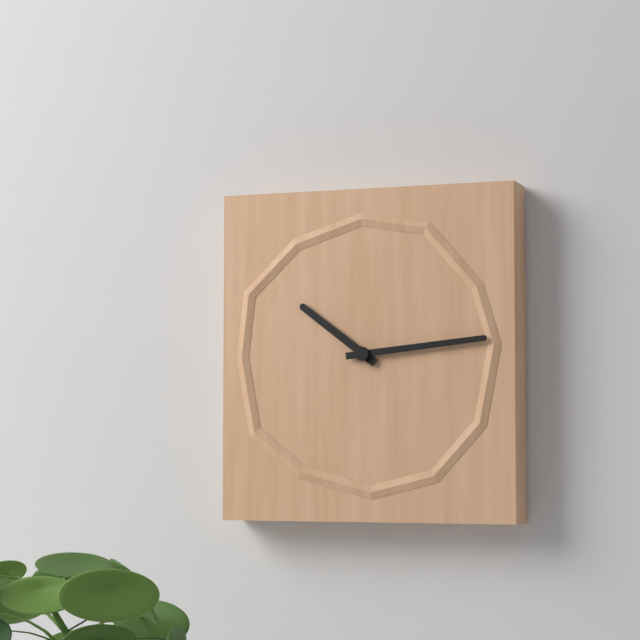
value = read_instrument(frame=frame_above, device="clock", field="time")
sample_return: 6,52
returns 10,14
